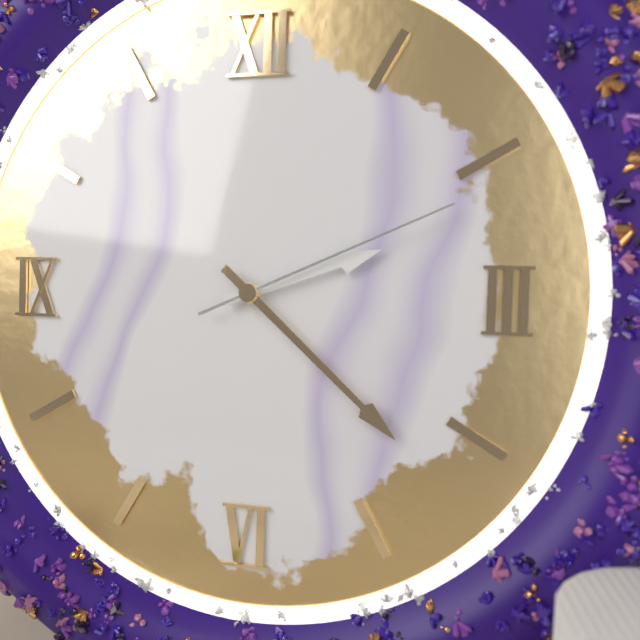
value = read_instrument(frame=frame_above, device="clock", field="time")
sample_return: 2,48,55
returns 2,22,11
